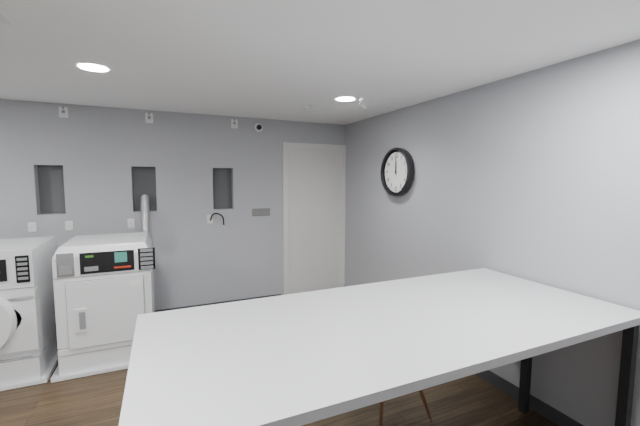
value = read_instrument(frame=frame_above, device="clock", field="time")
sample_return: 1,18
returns 11,59
